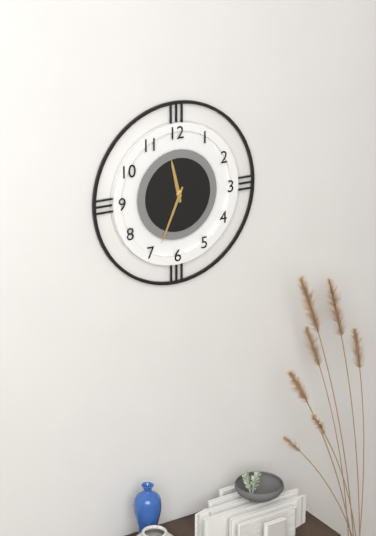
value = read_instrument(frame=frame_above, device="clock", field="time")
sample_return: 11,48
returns 11,34
